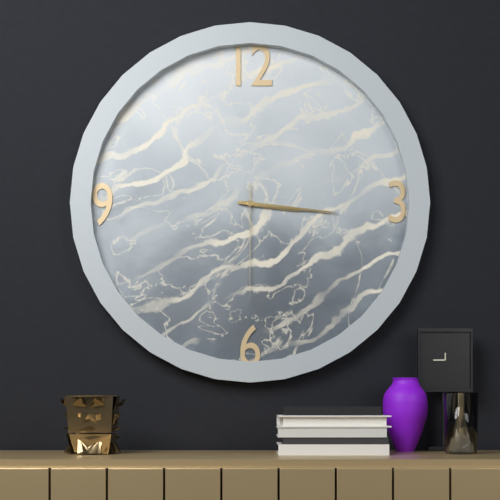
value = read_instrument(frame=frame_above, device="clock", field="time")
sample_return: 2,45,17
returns 3,16,30
